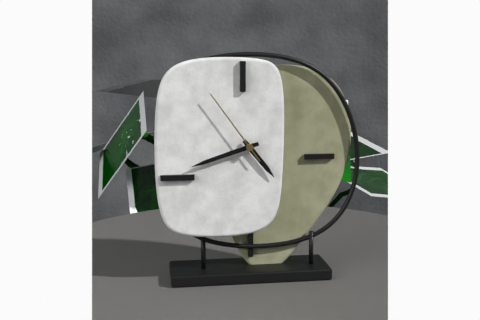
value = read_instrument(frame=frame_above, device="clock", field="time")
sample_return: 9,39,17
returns 4,42,54
